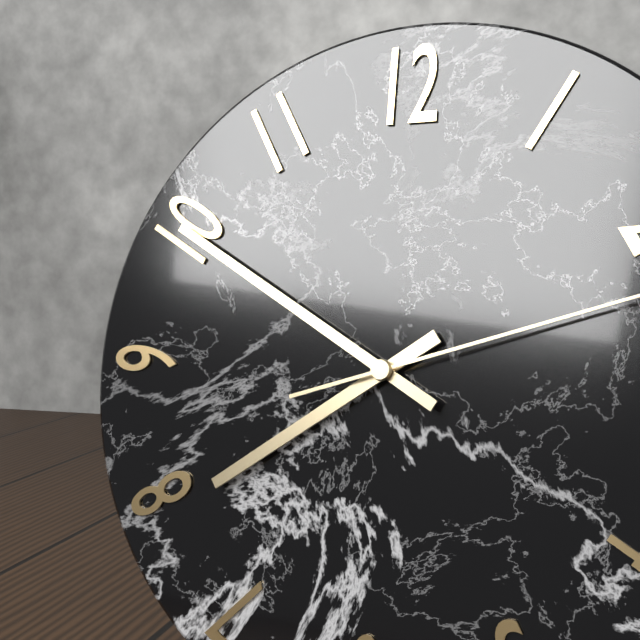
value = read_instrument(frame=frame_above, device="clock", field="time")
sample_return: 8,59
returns 7,50
